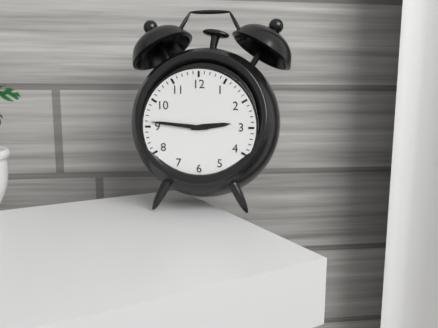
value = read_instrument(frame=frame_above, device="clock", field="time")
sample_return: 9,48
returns 2,46
